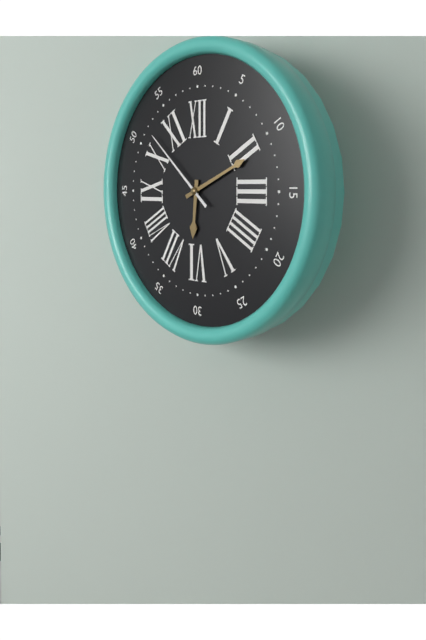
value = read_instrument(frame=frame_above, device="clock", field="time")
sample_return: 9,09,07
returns 6,11,52
